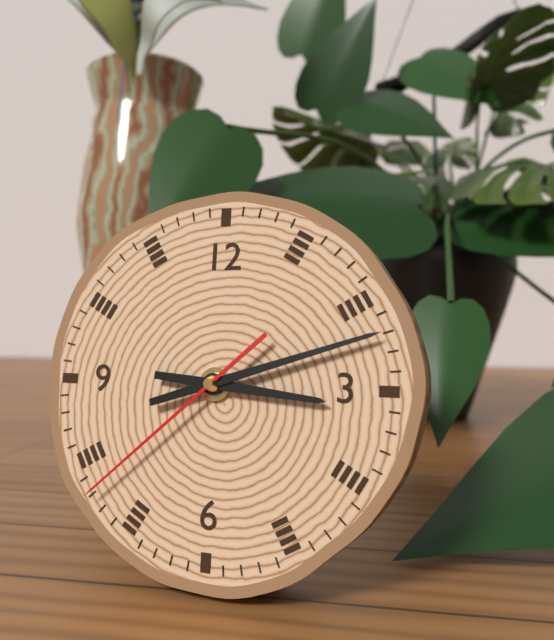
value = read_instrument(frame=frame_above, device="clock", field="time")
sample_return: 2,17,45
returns 3,12,38
